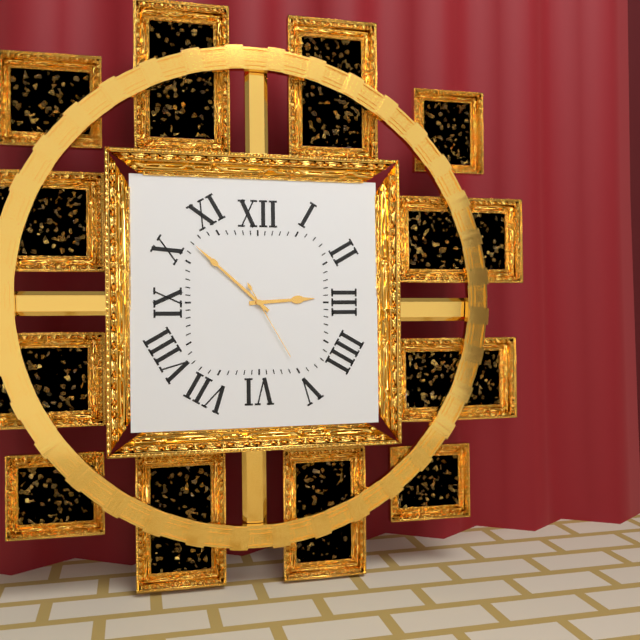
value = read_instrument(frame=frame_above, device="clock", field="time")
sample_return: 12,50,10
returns 2,52,25
